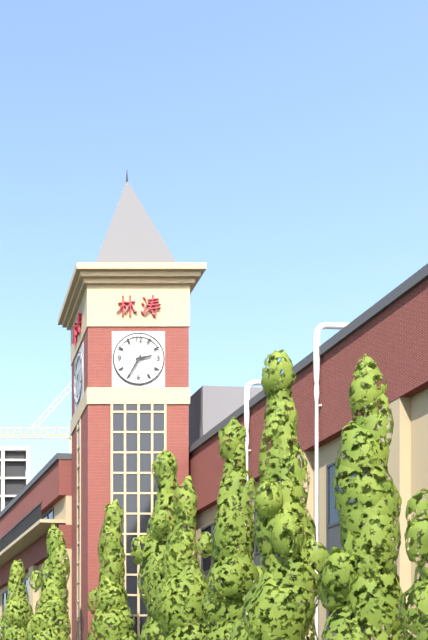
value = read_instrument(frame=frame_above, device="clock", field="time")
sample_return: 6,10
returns 2,35
